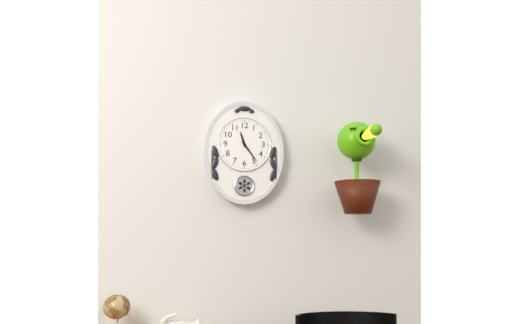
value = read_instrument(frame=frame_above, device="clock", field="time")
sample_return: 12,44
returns 11,24
